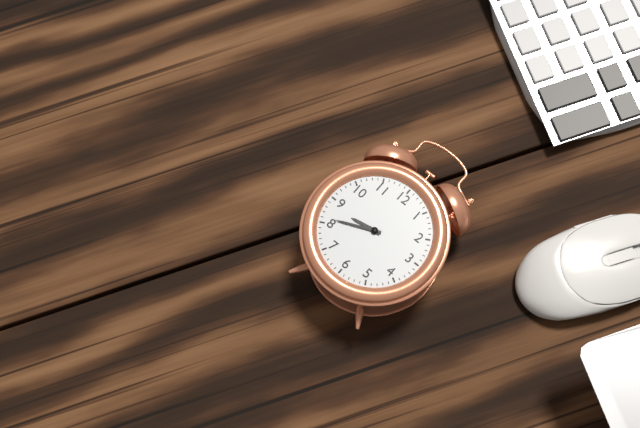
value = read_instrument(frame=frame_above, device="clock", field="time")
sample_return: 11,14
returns 8,41
